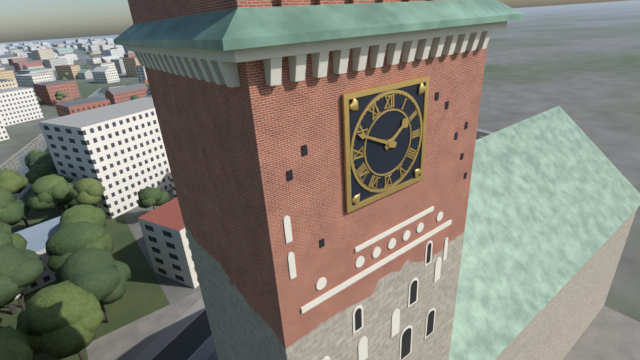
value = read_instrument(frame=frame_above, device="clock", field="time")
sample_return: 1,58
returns 1,49
